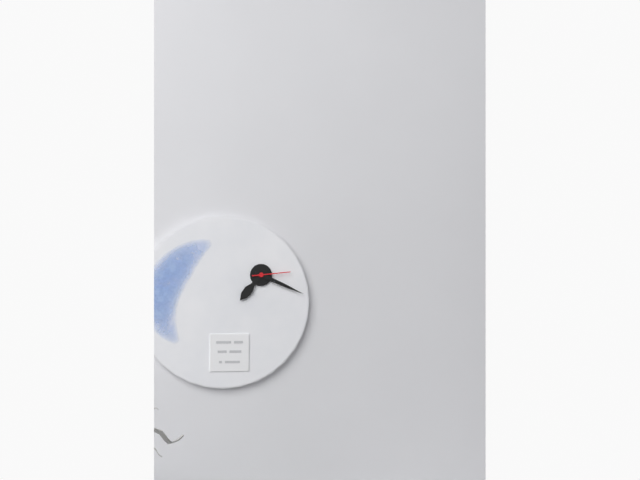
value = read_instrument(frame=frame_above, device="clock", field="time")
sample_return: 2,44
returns 7,19
